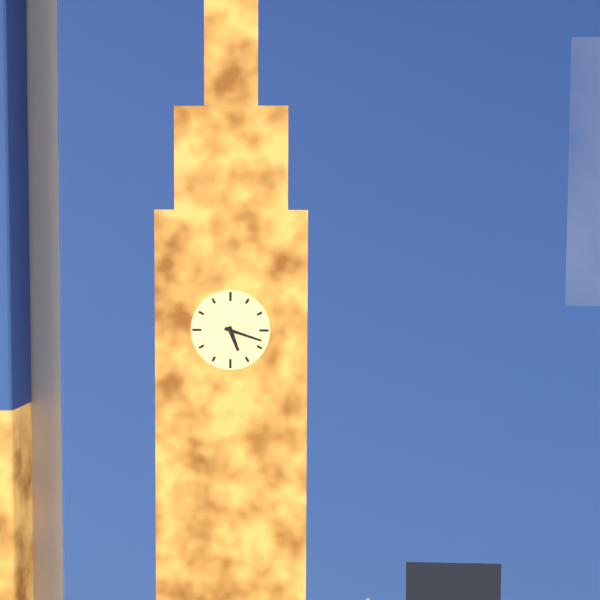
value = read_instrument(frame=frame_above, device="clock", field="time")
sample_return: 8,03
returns 5,18
